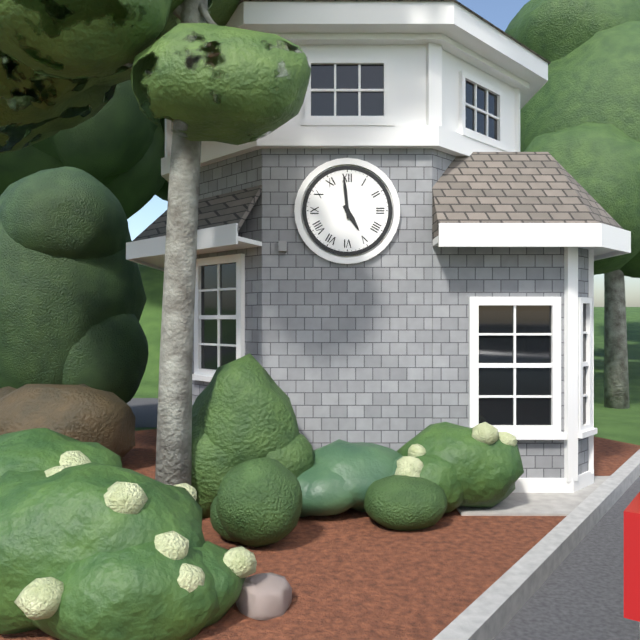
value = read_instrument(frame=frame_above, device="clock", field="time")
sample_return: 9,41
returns 4,59
